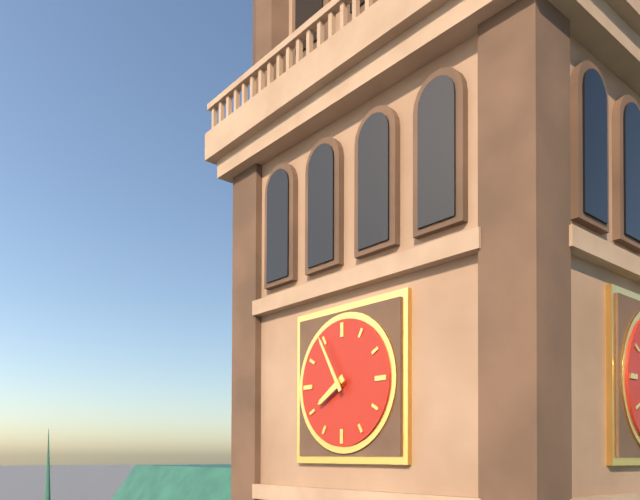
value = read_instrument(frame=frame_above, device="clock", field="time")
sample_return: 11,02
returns 7,55
